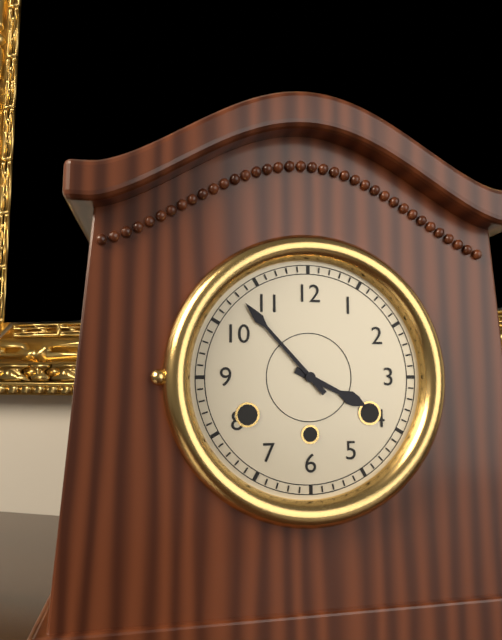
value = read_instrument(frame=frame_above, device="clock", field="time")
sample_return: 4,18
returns 3,53
